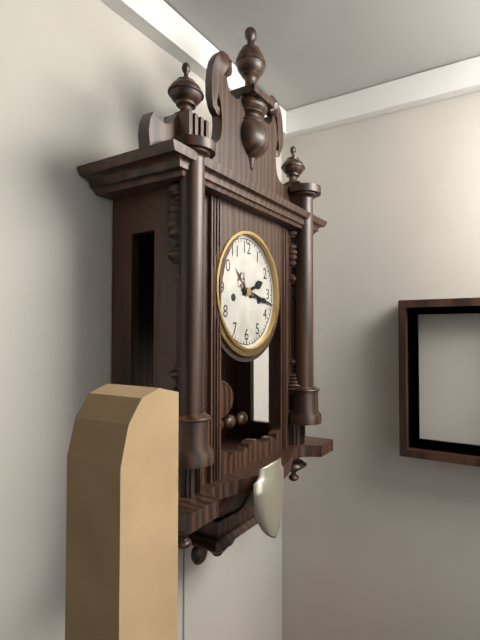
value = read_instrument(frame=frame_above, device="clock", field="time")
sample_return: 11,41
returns 2,17
